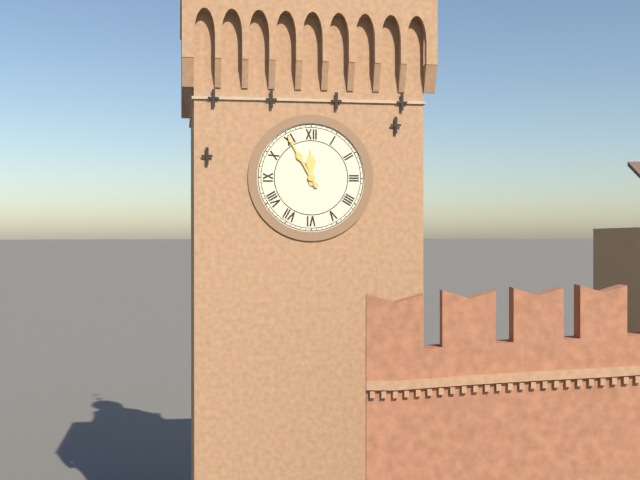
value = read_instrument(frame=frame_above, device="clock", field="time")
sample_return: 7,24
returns 11,55
